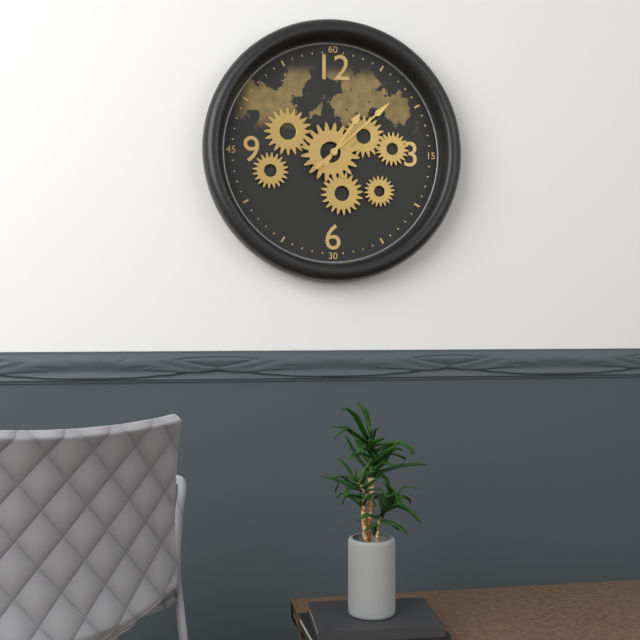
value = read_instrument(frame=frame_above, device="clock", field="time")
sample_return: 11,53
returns 1,08
